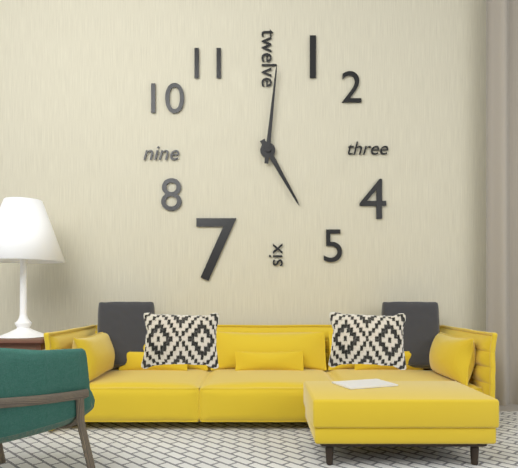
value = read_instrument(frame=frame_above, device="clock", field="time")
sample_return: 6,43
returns 5,01
